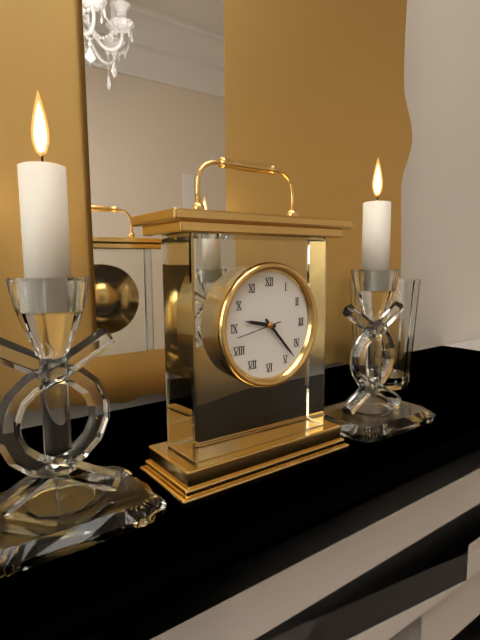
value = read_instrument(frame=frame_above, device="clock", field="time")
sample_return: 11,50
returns 9,23
